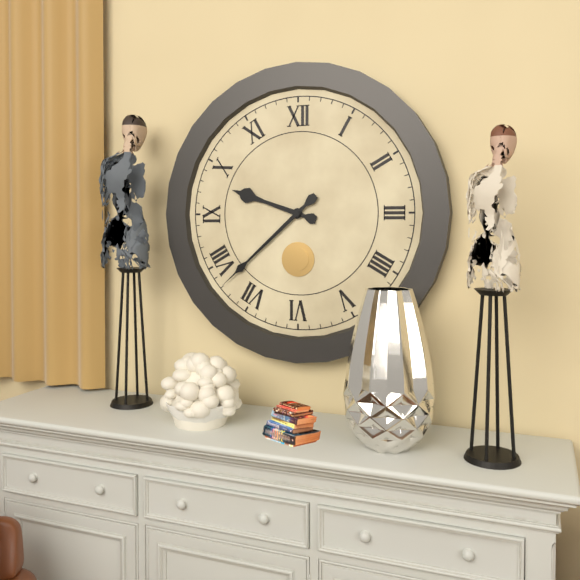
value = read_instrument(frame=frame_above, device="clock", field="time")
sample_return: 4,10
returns 9,38
